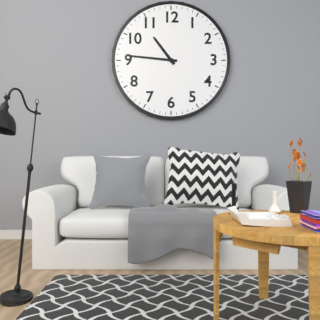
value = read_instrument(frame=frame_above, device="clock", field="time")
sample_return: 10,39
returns 10,46
